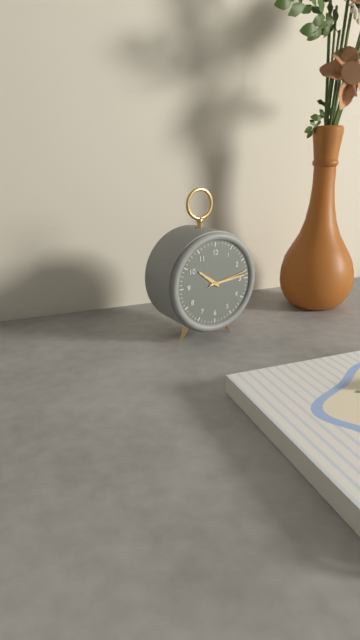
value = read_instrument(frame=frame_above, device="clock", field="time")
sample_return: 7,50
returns 10,14
